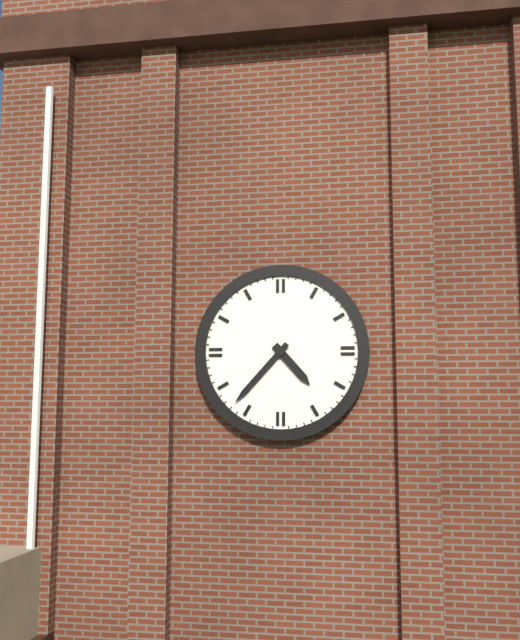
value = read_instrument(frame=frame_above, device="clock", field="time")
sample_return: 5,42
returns 4,37
